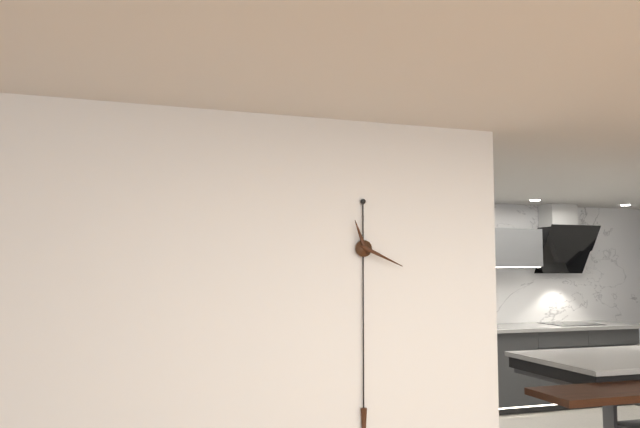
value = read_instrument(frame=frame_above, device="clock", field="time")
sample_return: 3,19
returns 11,19
